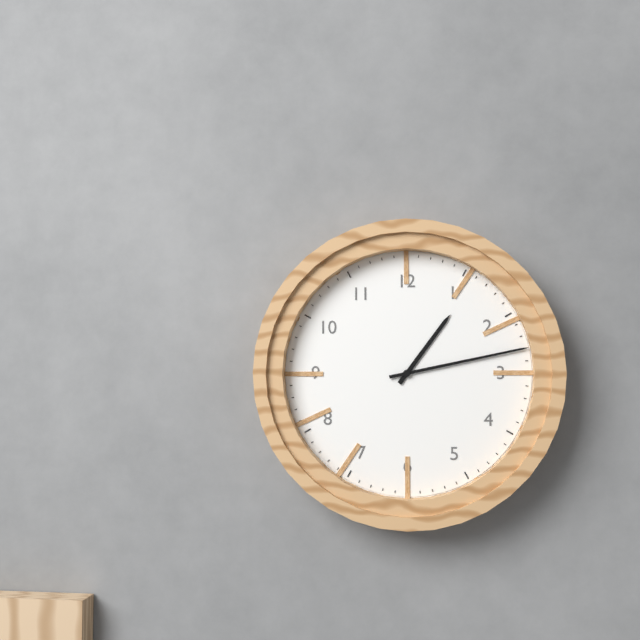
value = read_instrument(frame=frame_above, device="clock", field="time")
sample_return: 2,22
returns 1,13
